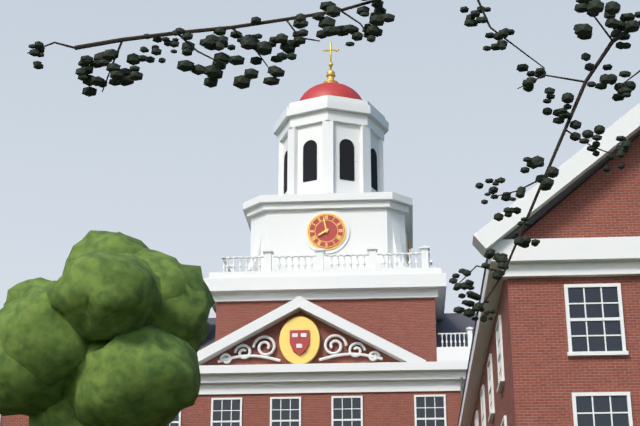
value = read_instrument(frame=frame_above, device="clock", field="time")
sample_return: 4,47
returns 7,58
